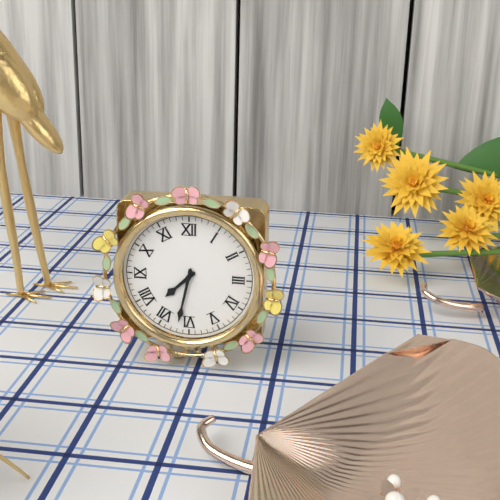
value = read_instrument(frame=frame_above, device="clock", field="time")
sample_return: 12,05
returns 7,32
